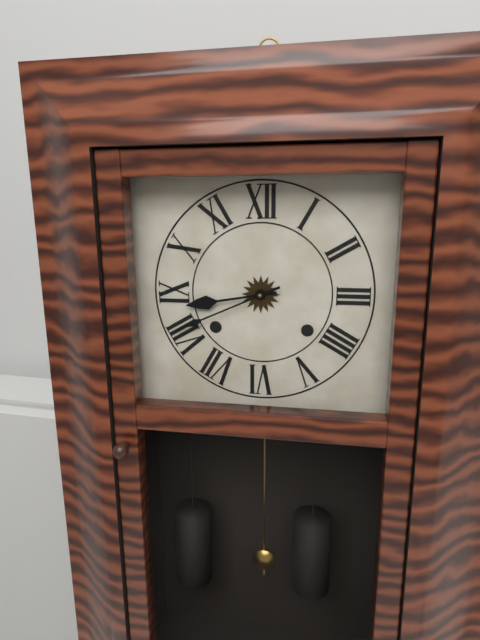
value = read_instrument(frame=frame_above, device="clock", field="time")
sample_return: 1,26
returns 8,41
